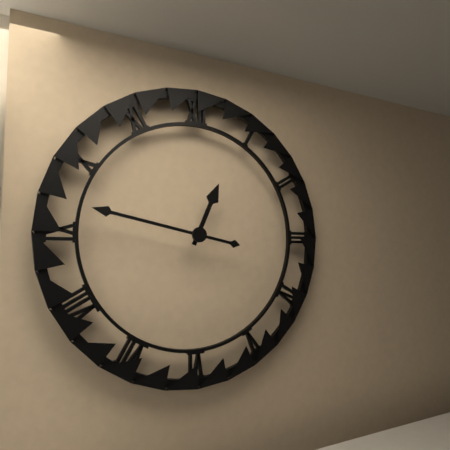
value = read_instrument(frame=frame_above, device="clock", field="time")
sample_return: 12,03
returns 12,47
